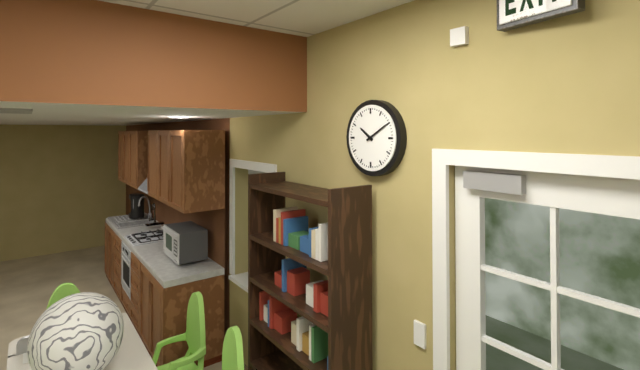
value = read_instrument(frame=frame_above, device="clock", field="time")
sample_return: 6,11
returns 10,10
